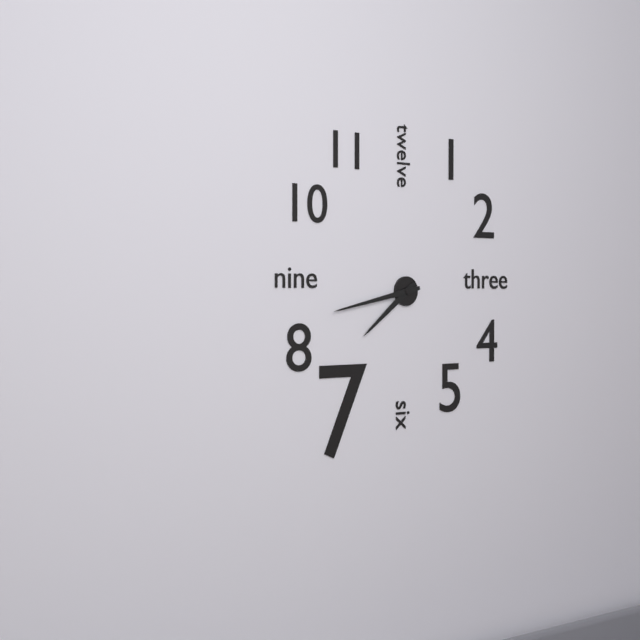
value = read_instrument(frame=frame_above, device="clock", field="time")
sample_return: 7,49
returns 7,43
